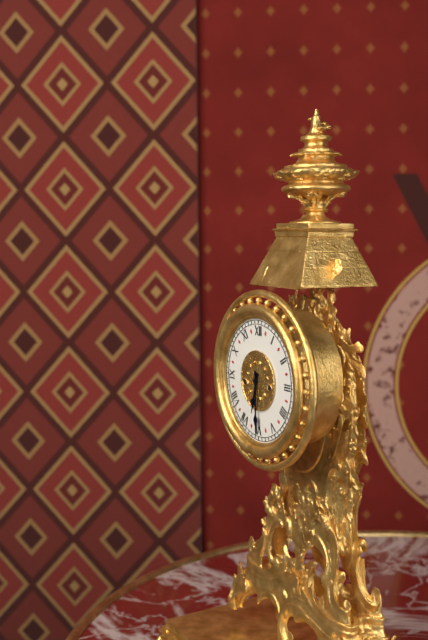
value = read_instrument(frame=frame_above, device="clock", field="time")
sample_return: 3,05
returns 6,30
